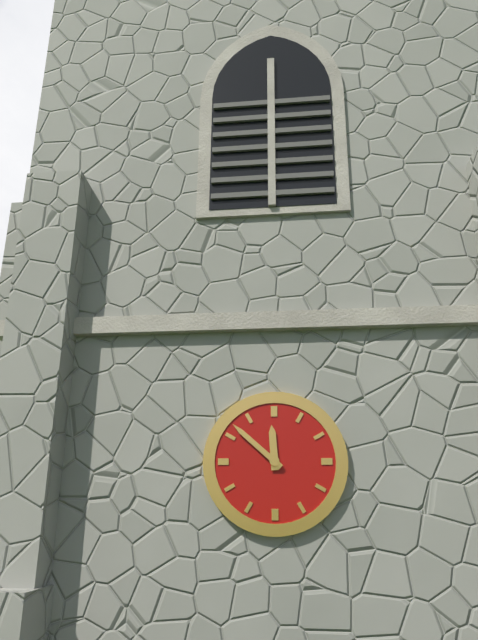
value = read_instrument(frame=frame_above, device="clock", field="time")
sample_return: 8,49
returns 11,52
